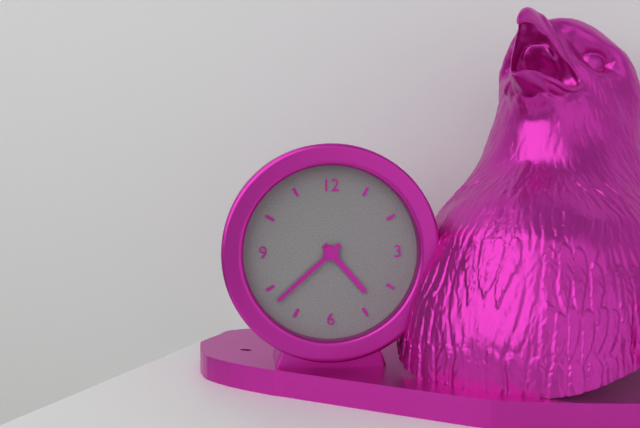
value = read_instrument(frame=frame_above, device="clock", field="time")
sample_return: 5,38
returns 4,38
